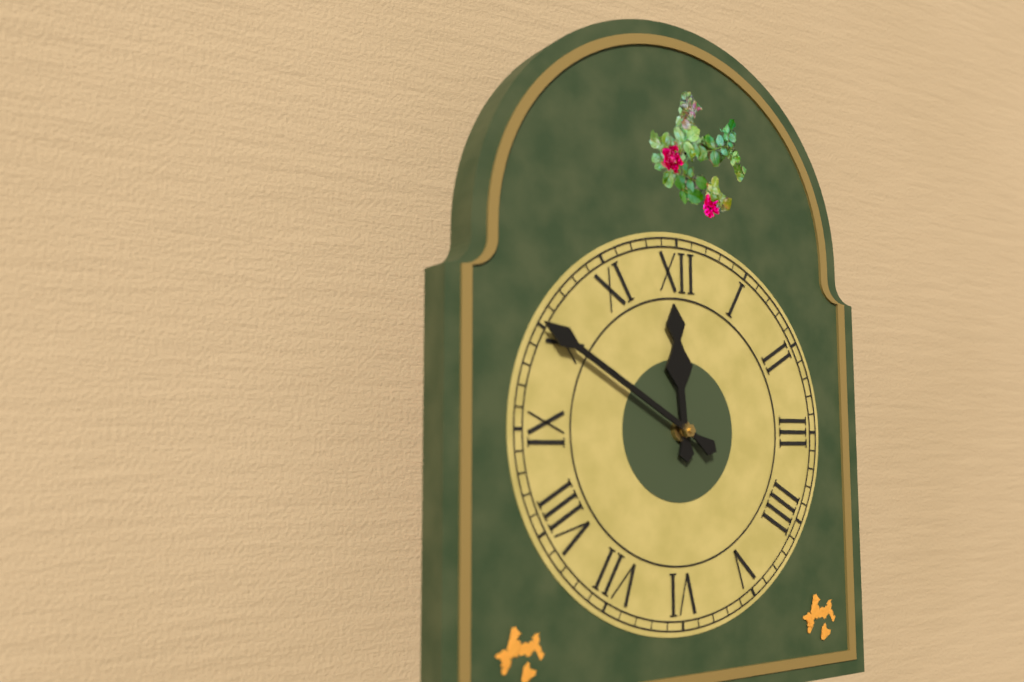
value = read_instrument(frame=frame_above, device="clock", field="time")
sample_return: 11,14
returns 11,50
